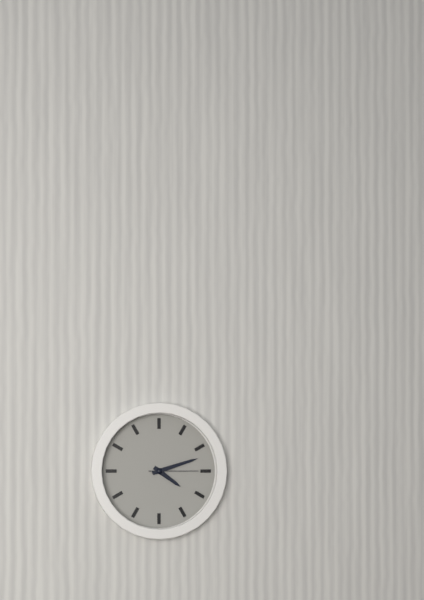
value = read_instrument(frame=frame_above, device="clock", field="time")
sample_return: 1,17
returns 4,12
